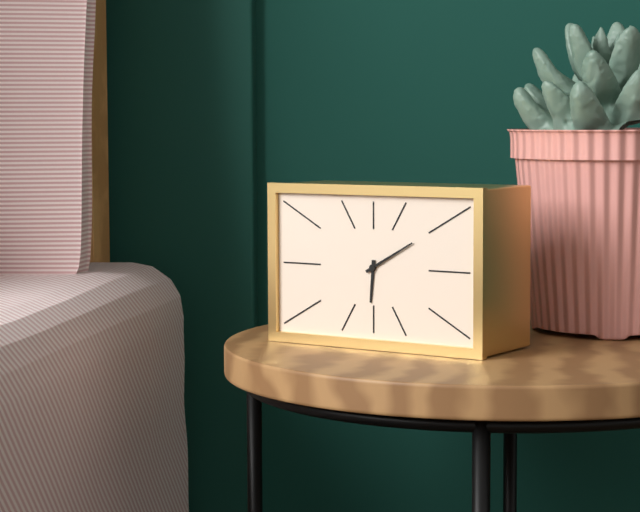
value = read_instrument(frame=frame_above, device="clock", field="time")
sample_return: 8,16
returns 6,10
